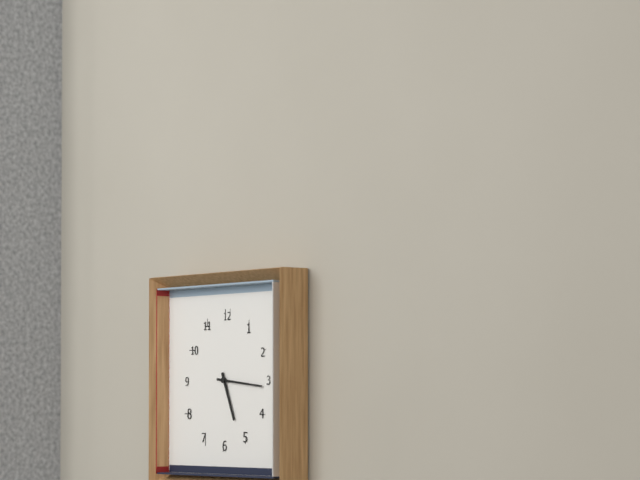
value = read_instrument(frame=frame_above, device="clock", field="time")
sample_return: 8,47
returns 5,16
